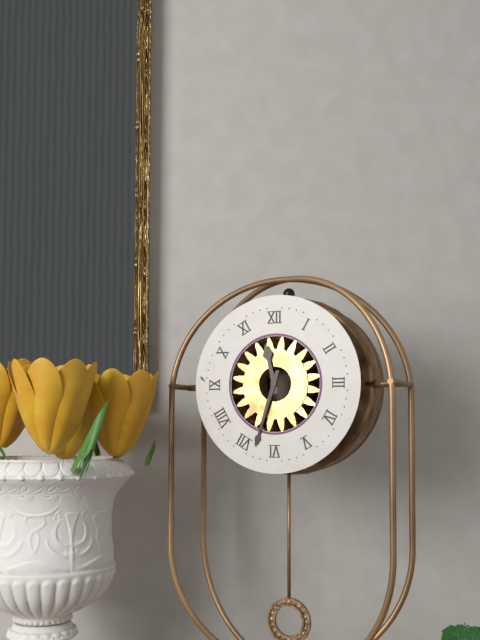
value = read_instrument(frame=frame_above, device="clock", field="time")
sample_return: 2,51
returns 11,33
